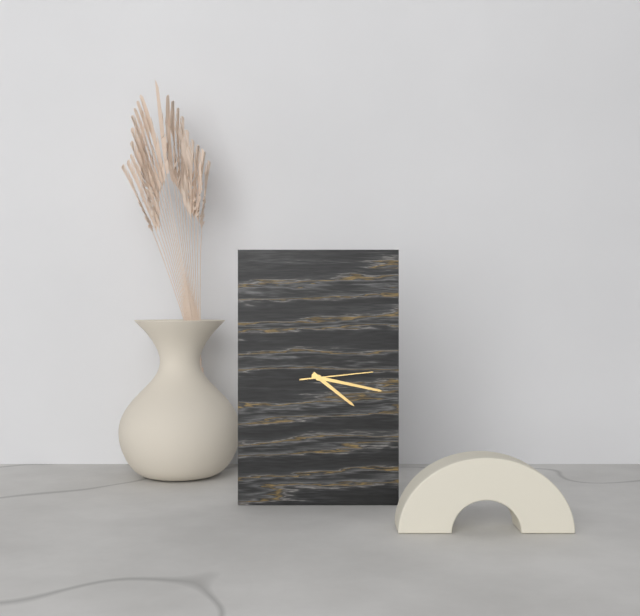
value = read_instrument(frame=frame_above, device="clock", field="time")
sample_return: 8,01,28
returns 4,17,14
